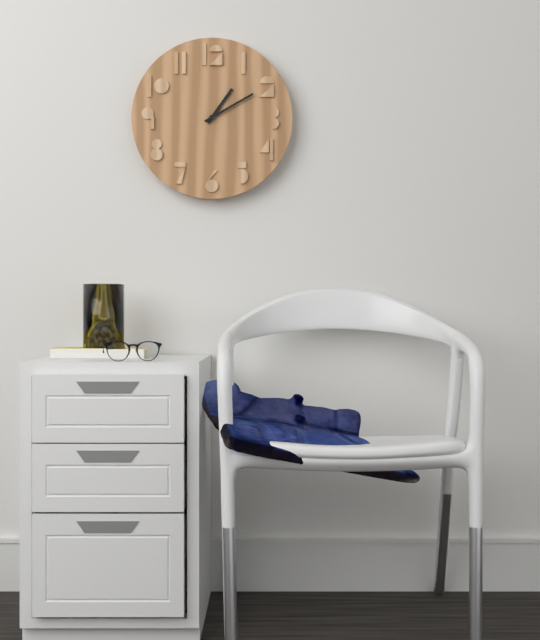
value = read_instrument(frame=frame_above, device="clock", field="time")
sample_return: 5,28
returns 1,10
